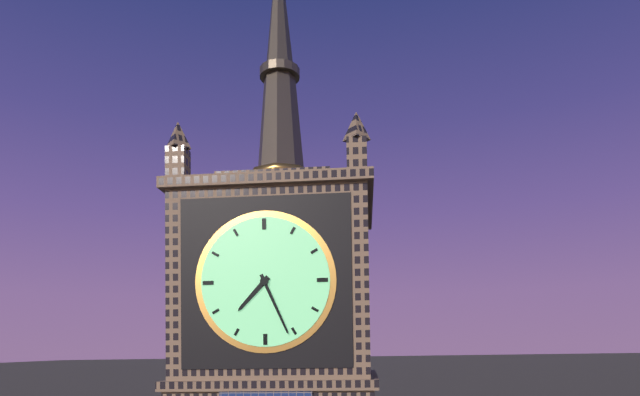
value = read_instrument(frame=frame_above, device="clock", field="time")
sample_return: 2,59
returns 7,26
